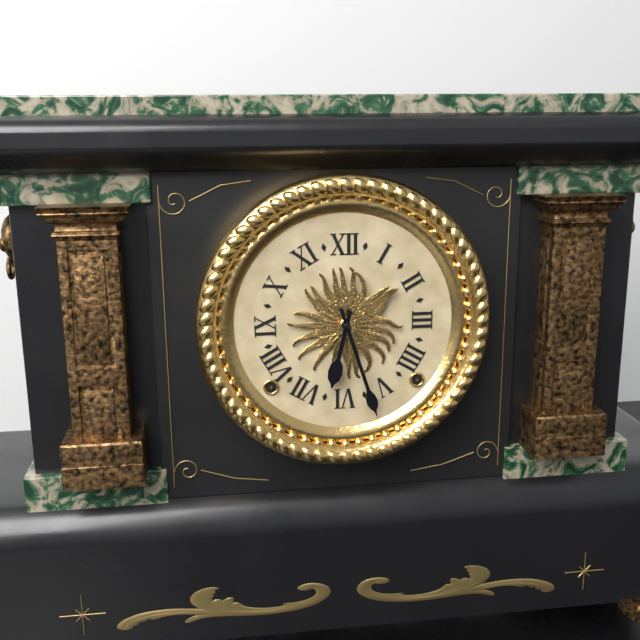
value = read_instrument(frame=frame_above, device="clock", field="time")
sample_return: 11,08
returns 6,27
